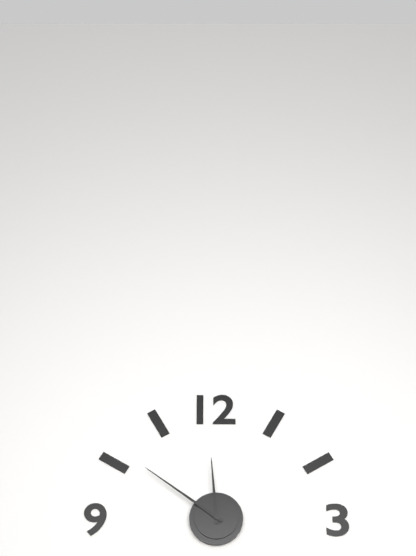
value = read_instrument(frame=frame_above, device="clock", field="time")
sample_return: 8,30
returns 11,51
